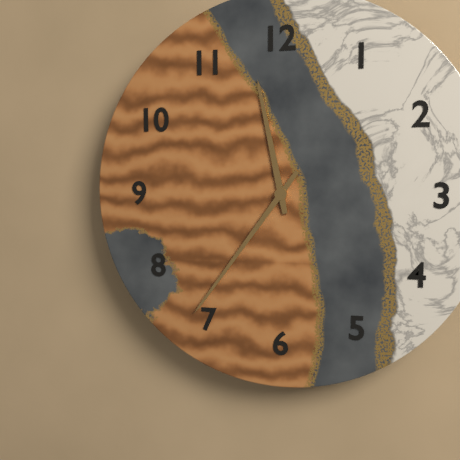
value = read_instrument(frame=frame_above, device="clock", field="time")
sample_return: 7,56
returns 11,36
